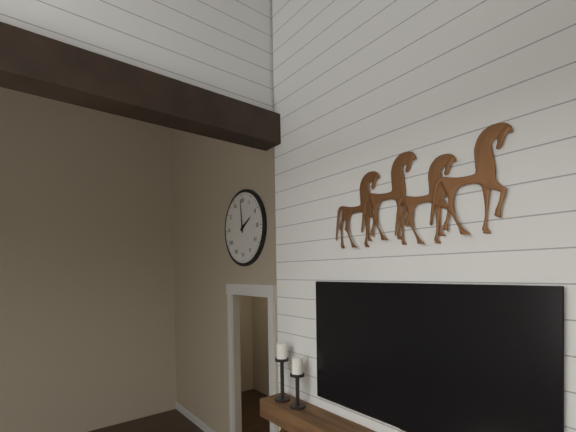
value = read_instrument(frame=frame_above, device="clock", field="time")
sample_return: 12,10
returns 1,59
